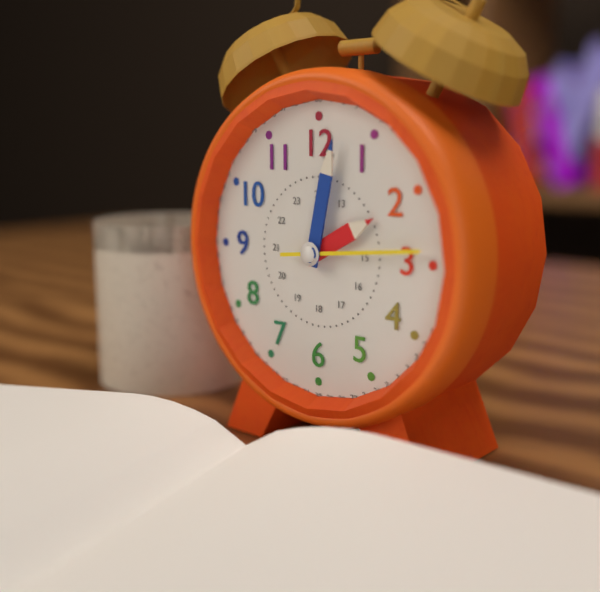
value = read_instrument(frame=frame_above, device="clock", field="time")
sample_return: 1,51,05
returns 2,02,14
